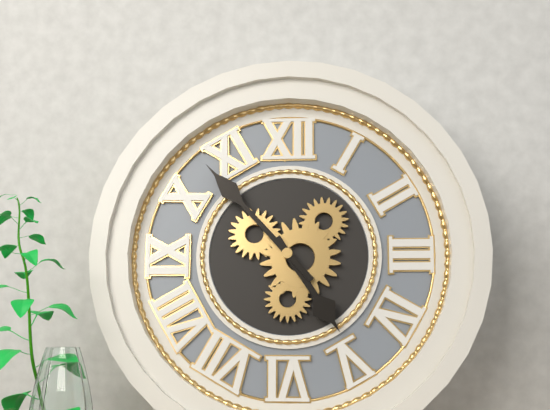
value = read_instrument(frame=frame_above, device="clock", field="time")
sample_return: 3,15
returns 4,53
